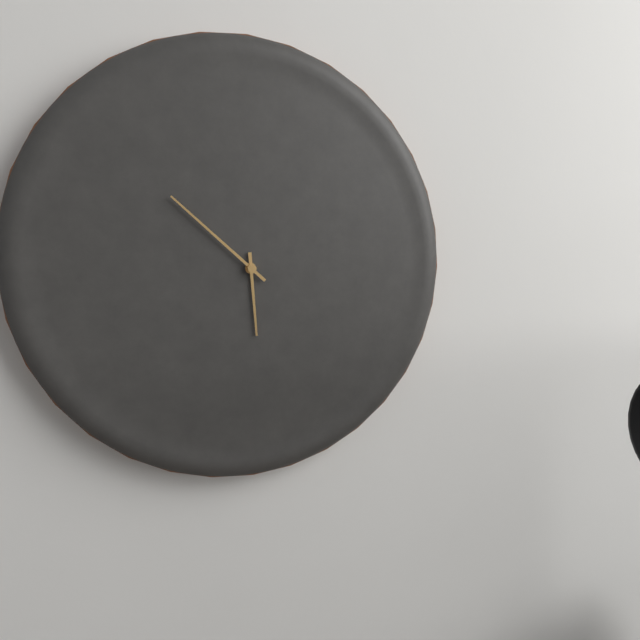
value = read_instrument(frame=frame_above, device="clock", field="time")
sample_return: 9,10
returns 5,52
